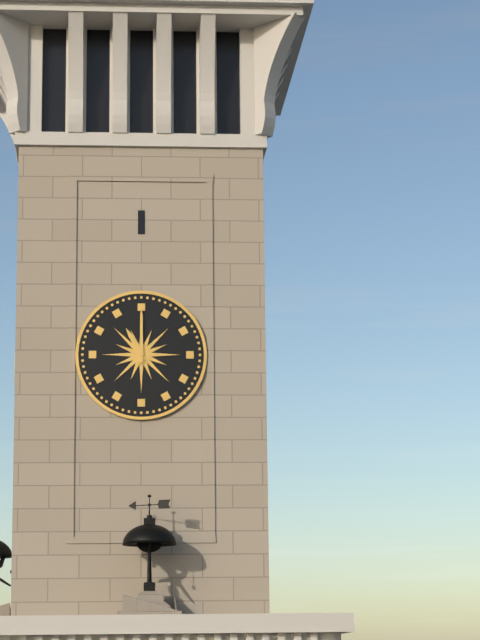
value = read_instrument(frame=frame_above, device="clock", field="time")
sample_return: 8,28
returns 11,00
